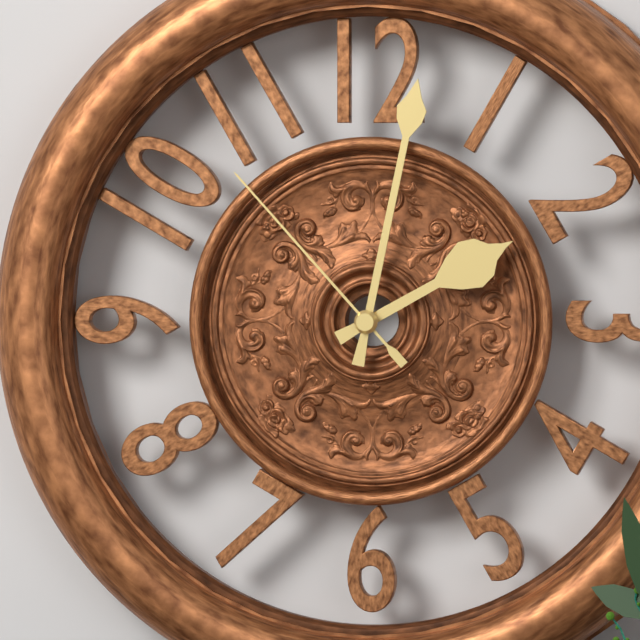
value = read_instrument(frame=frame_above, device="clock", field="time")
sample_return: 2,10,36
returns 2,02,53
